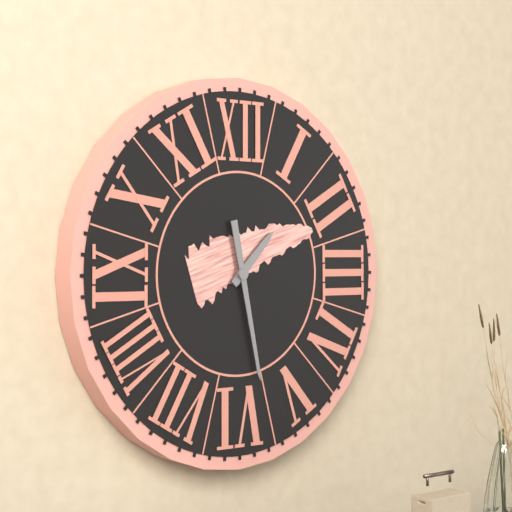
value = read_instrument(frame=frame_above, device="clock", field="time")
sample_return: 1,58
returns 1,28
